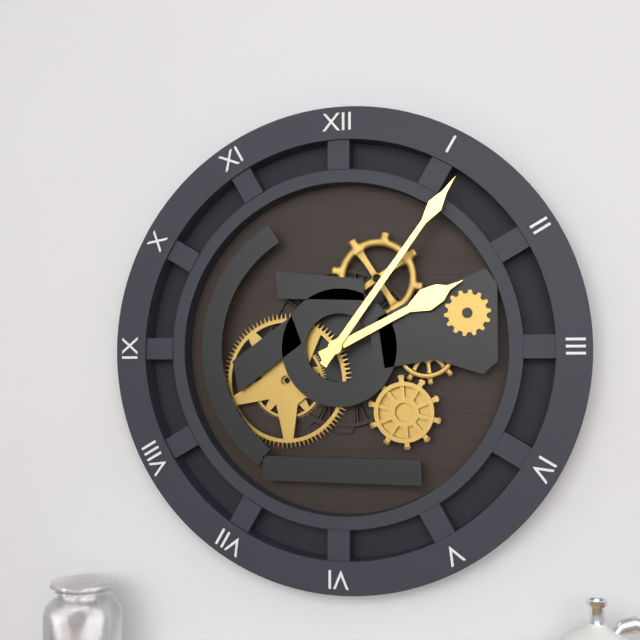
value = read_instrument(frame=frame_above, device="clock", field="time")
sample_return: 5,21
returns 2,06
